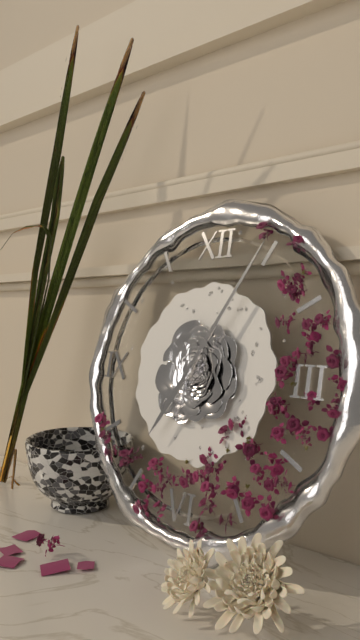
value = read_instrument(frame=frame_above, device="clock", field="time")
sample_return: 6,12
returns 7,05
